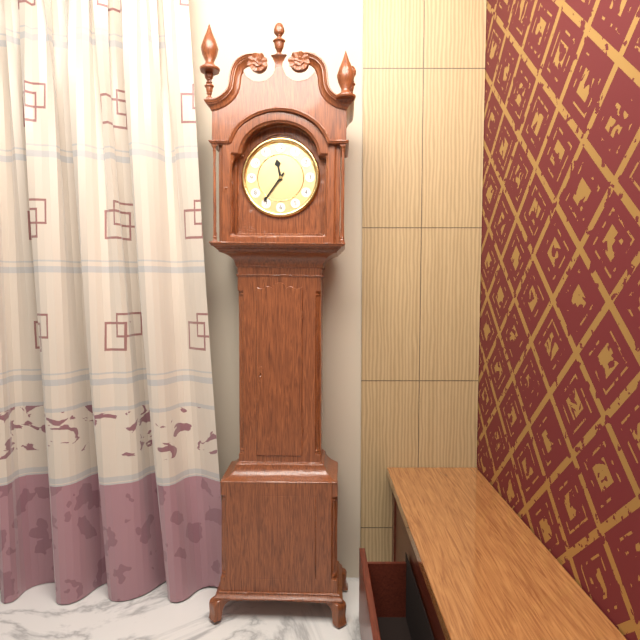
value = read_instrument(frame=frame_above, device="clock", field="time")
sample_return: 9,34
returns 11,36
